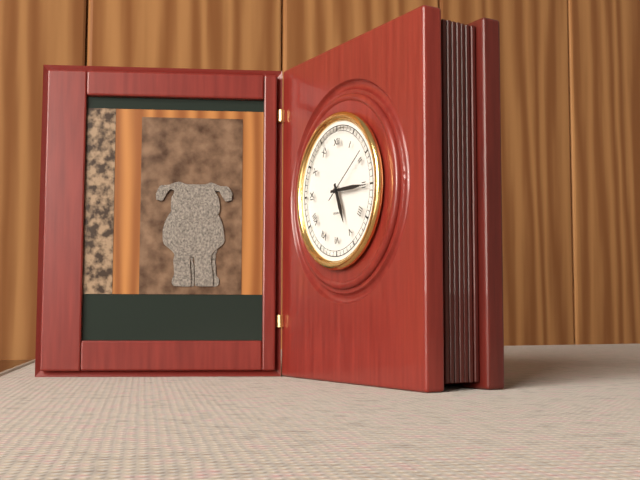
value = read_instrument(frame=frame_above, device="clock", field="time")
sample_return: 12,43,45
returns 5,15,09
